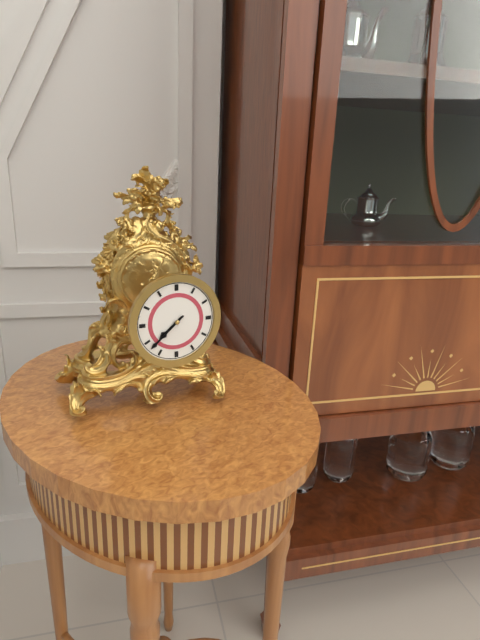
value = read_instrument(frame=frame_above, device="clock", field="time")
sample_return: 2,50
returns 7,38
